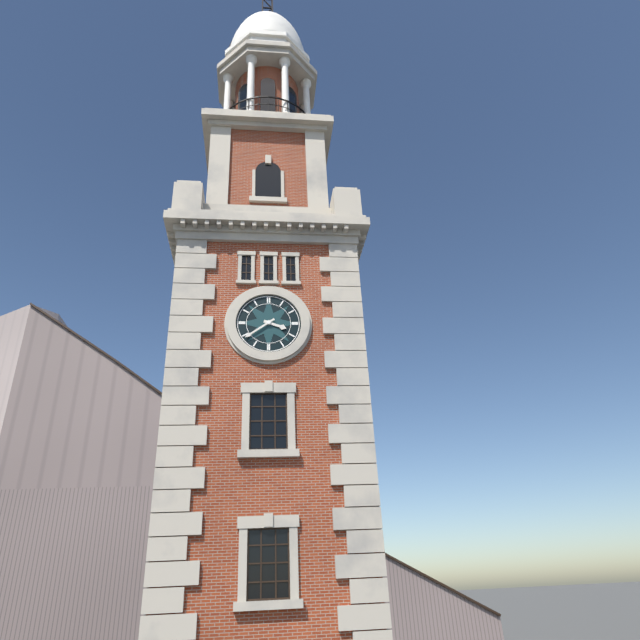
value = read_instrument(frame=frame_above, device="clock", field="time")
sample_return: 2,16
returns 3,39
